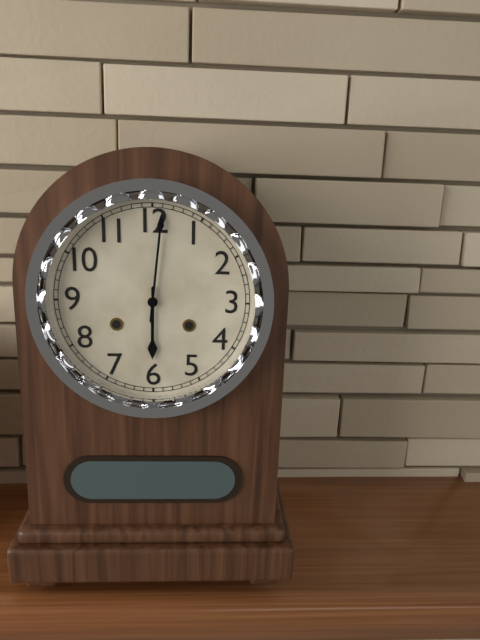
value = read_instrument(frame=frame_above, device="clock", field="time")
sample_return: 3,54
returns 6,01
